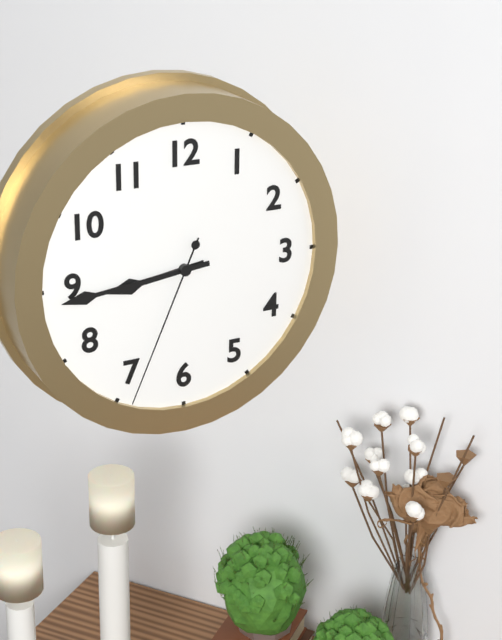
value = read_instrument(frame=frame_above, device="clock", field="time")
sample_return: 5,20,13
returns 8,44,34
